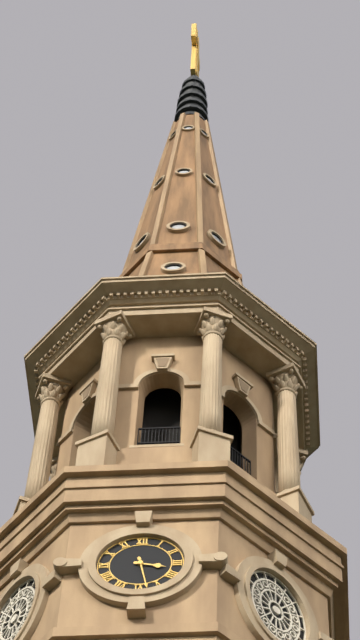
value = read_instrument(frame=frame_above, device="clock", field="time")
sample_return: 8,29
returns 3,28
